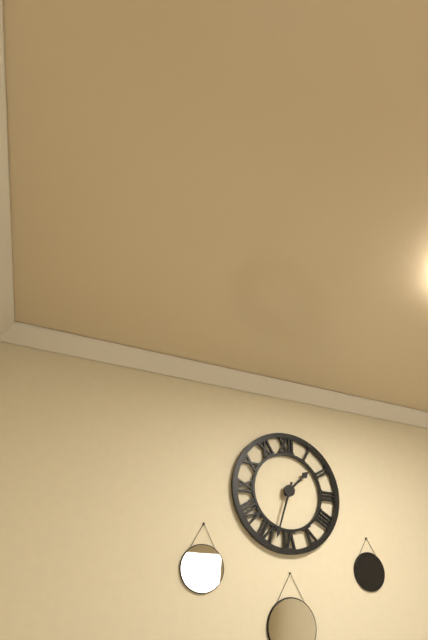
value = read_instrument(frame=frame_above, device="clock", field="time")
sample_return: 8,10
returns 1,33
